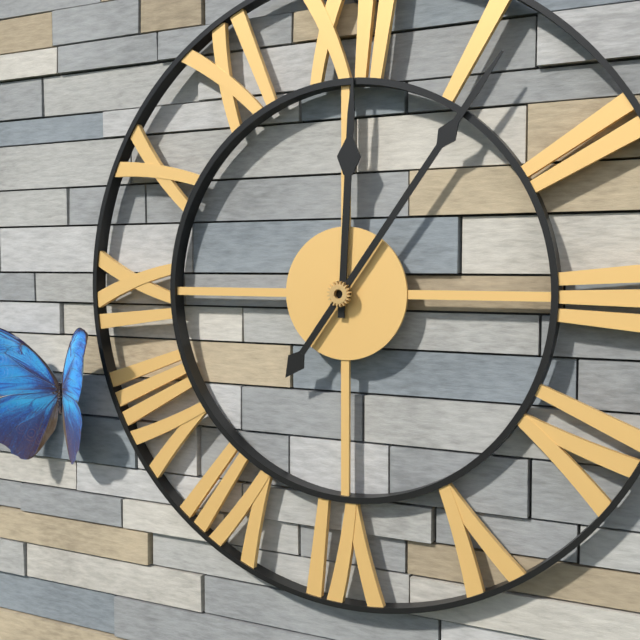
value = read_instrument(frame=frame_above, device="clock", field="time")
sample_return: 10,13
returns 12,06
